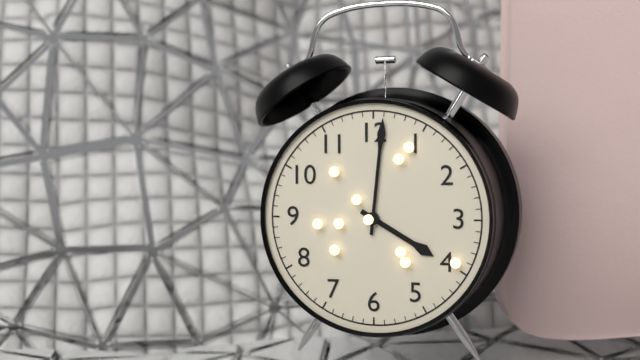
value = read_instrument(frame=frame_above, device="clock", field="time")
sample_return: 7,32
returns 4,01
